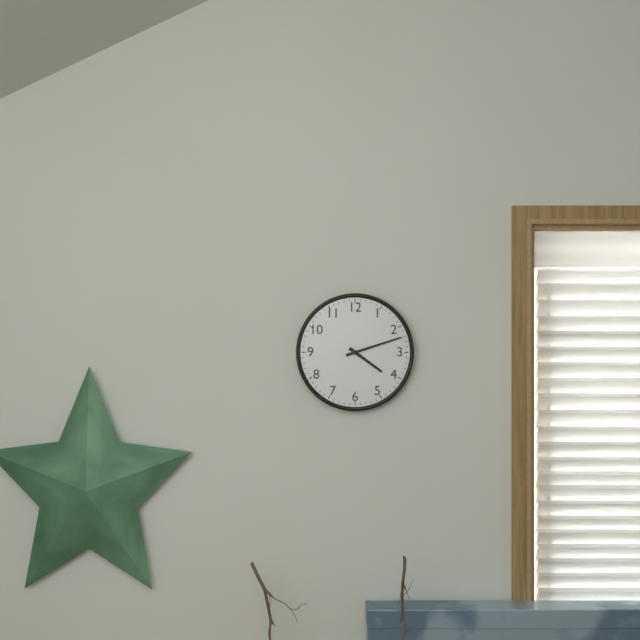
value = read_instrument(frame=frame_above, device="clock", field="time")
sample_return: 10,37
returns 4,12
